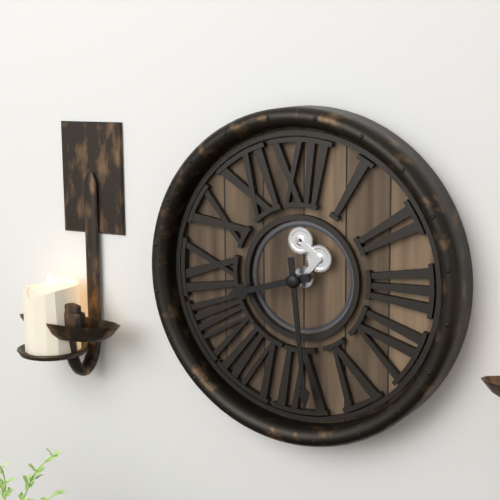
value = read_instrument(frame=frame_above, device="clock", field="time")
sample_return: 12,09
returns 8,29
